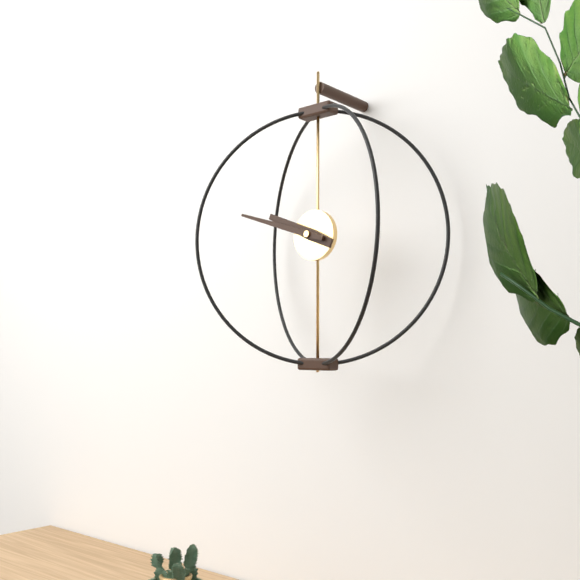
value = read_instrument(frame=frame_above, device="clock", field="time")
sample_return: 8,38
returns 9,48
